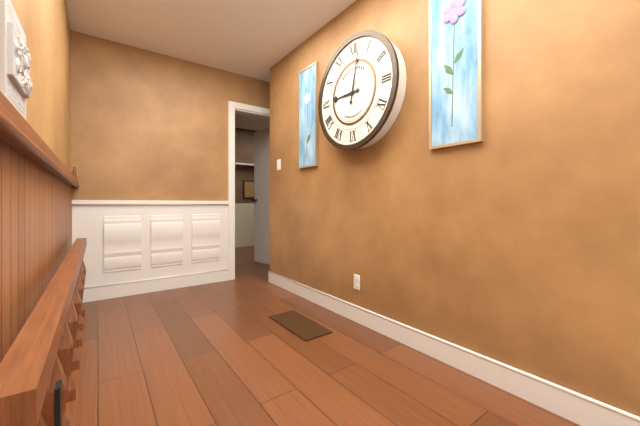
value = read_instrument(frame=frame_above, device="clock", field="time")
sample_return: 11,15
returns 9,02
